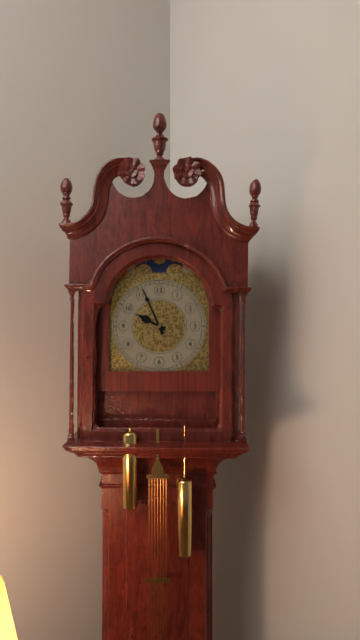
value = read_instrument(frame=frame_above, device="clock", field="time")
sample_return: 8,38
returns 9,56
